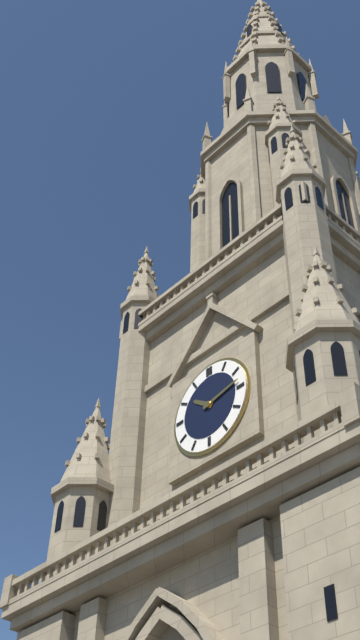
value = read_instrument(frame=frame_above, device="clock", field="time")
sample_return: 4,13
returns 10,13
